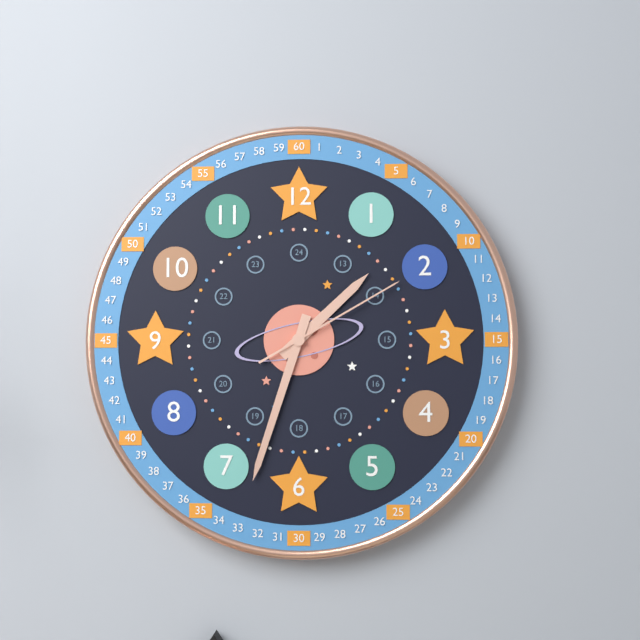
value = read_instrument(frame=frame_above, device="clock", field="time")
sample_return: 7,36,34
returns 1,33,10
